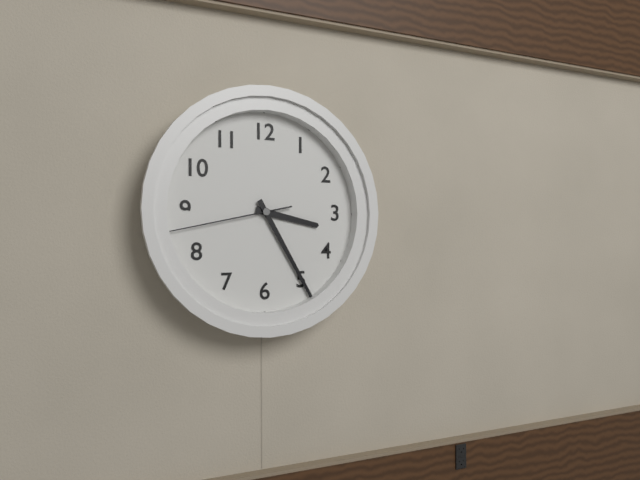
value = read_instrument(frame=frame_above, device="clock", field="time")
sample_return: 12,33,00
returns 3,25,43
